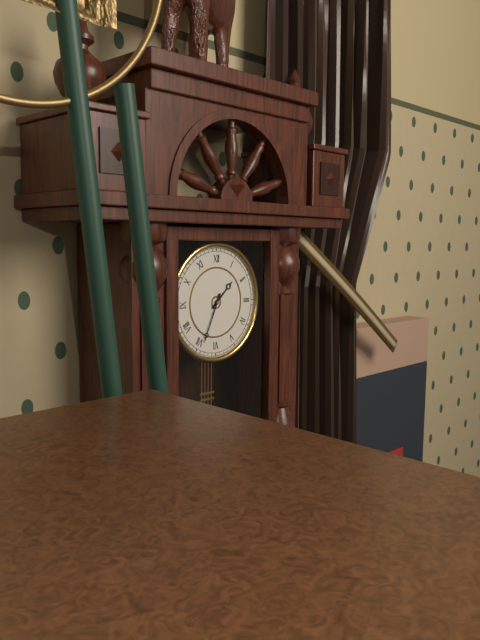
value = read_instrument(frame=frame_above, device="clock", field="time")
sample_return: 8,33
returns 1,34
